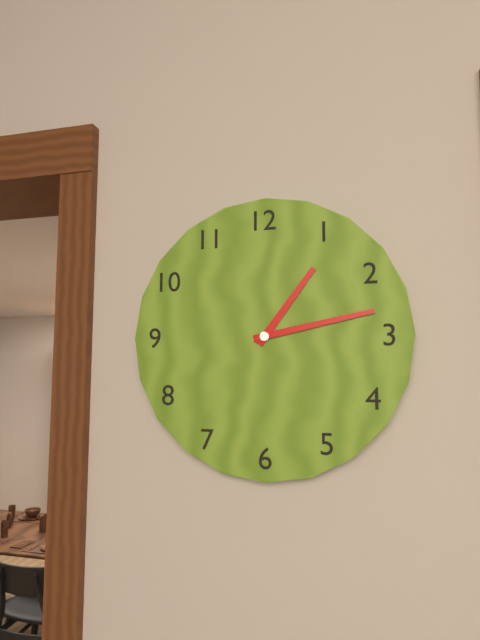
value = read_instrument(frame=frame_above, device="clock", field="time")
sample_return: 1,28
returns 1,13
